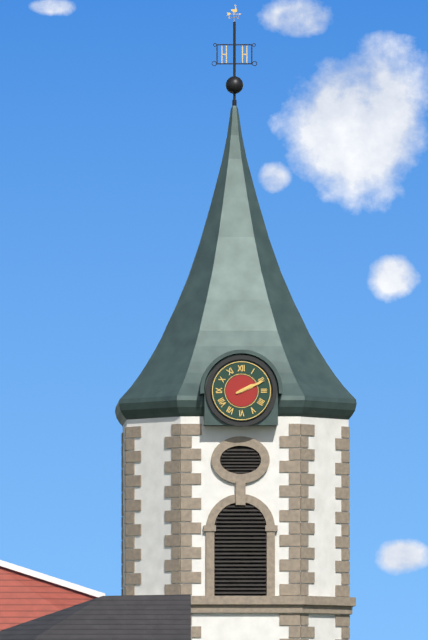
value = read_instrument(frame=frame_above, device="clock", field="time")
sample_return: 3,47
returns 2,11
